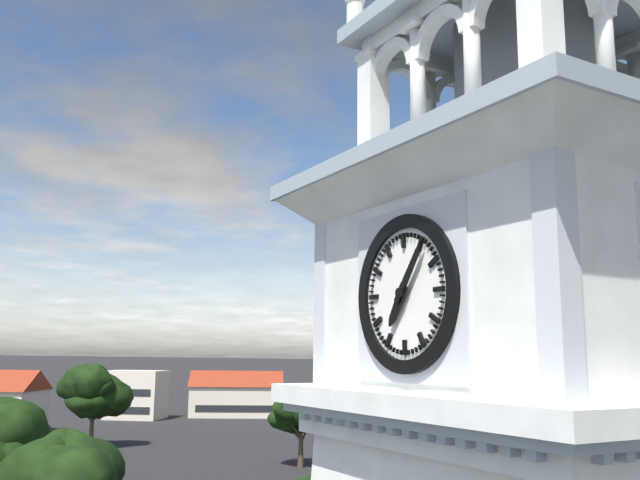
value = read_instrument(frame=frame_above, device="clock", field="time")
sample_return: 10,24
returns 7,06
